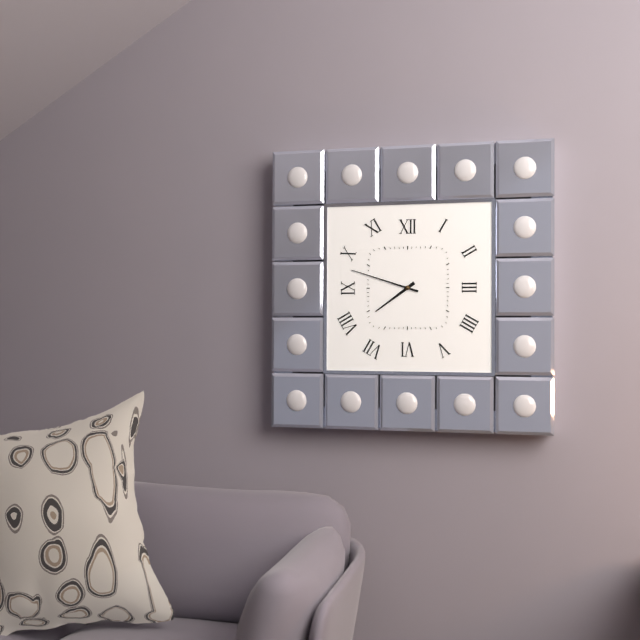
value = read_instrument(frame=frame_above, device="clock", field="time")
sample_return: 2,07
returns 7,48
